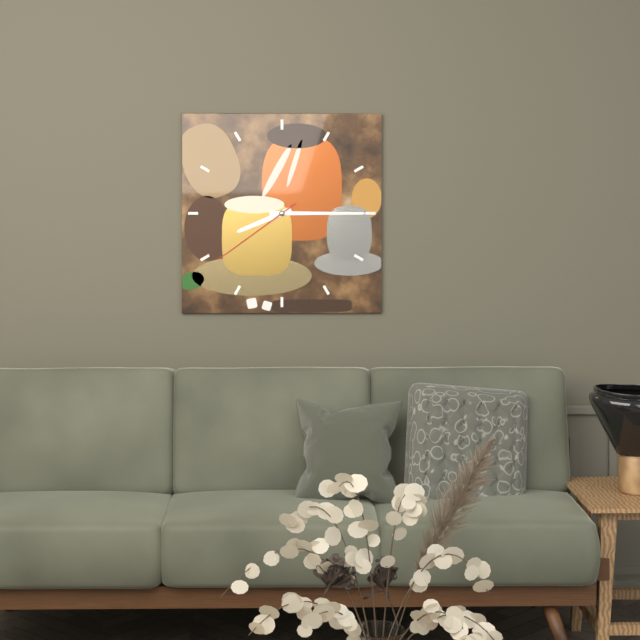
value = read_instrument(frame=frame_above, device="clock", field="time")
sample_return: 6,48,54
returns 8,15,39
